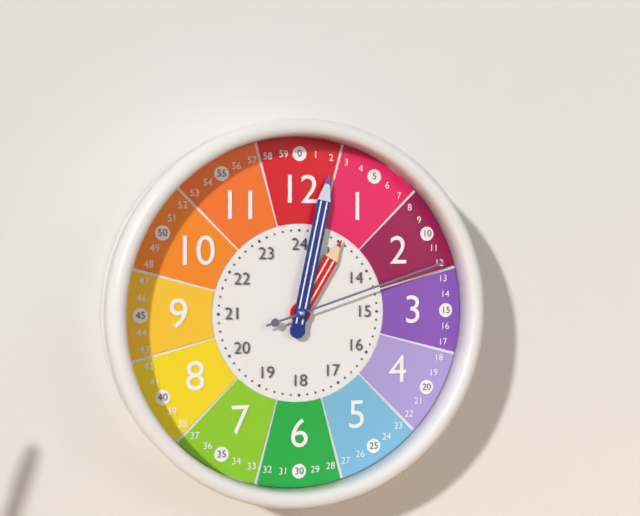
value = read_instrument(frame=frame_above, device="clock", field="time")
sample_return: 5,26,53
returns 1,02,12
